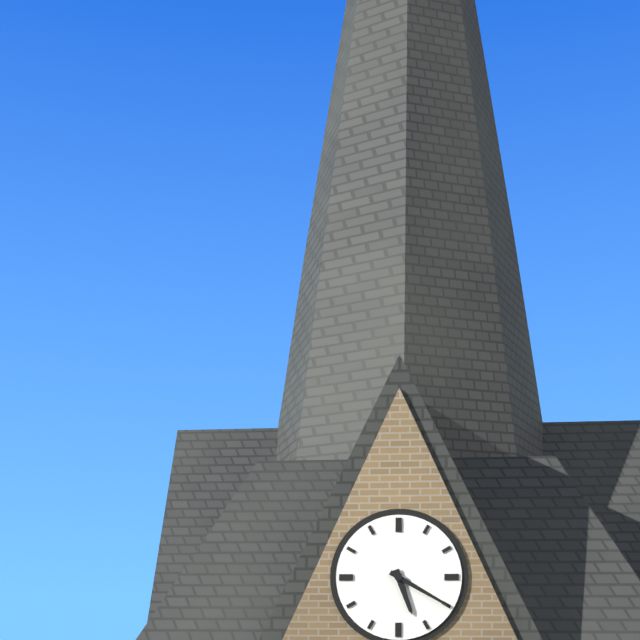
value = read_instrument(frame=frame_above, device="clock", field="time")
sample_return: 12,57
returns 5,20
